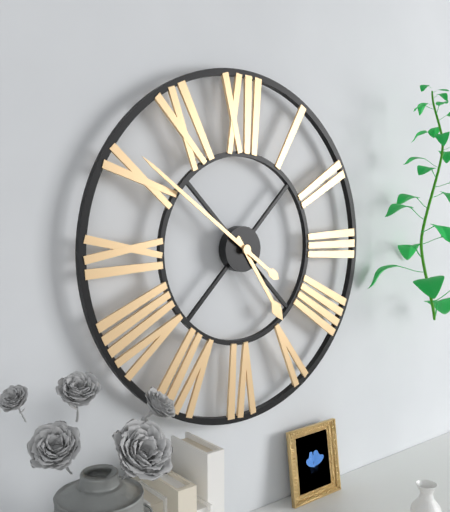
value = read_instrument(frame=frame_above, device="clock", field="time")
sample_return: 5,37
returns 4,51
